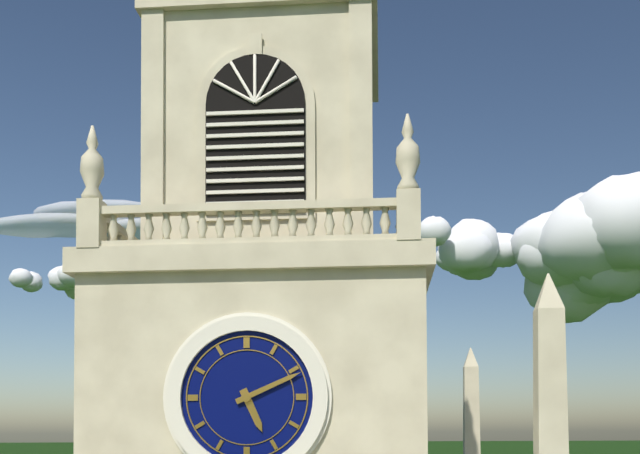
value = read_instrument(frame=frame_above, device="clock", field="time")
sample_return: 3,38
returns 5,11
